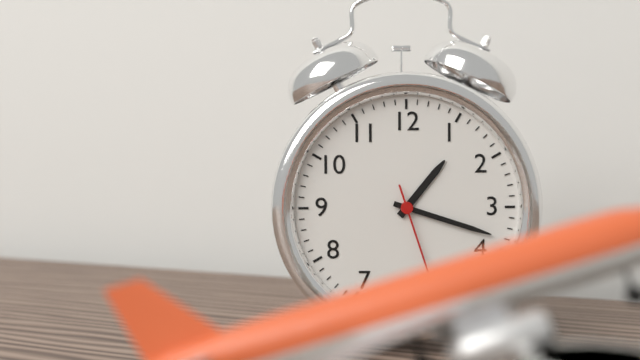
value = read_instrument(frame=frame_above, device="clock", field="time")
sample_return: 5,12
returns 1,18
